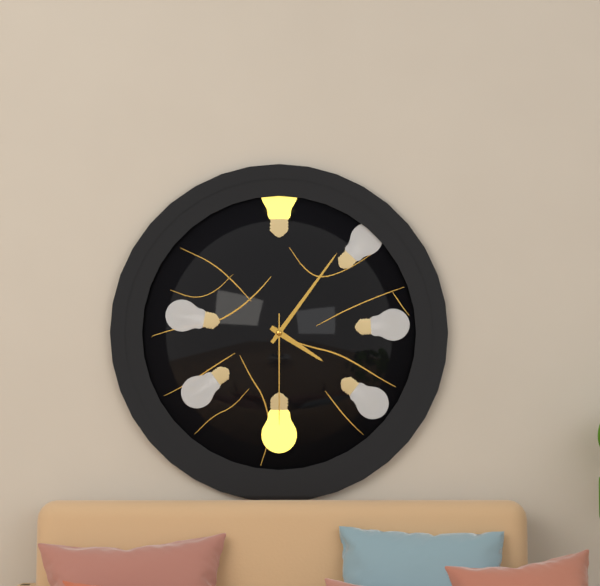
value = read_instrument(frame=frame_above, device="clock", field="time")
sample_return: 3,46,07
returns 4,06,30
